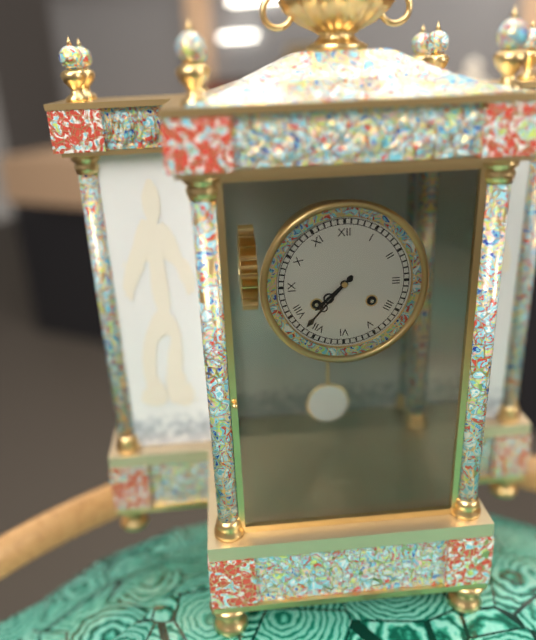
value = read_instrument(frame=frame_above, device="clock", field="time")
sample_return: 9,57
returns 7,37
